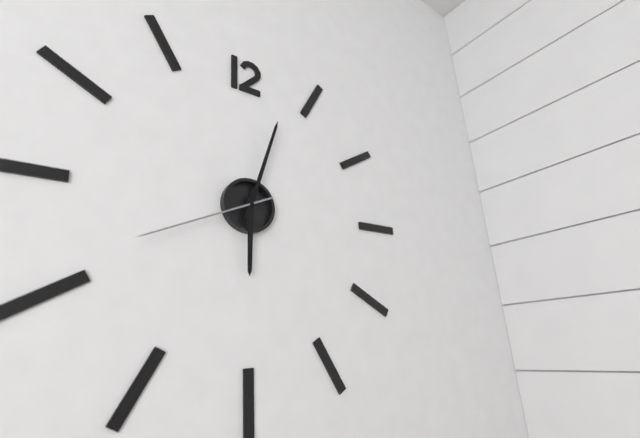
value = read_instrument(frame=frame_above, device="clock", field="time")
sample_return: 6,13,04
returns 6,03,41
